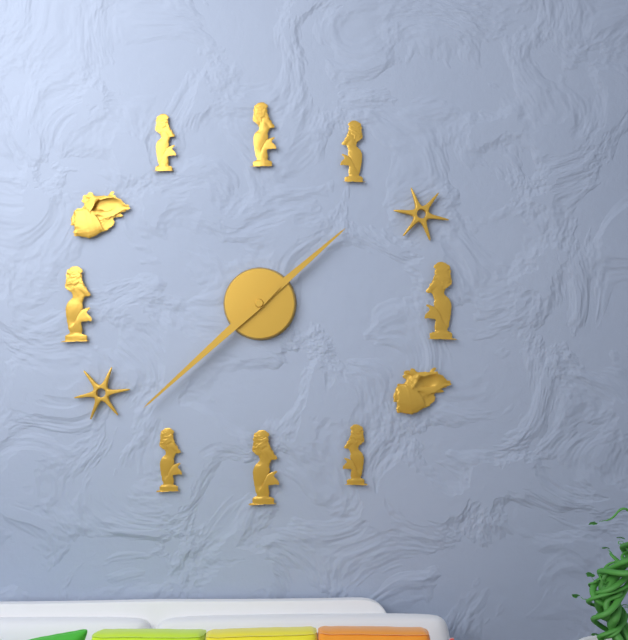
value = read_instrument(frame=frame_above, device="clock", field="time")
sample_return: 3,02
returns 1,38
